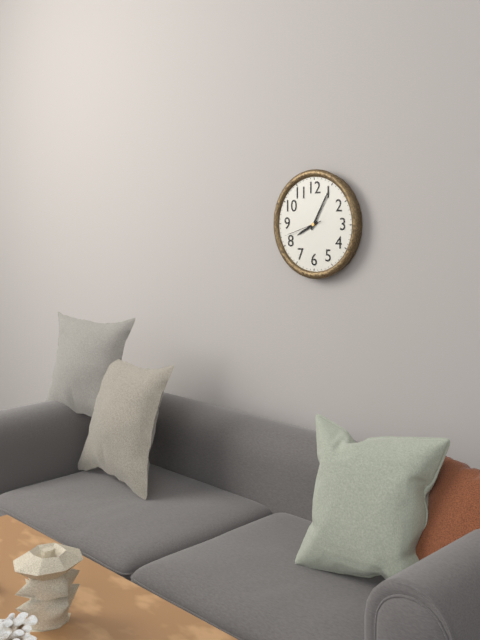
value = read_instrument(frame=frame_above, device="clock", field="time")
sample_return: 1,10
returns 8,05
